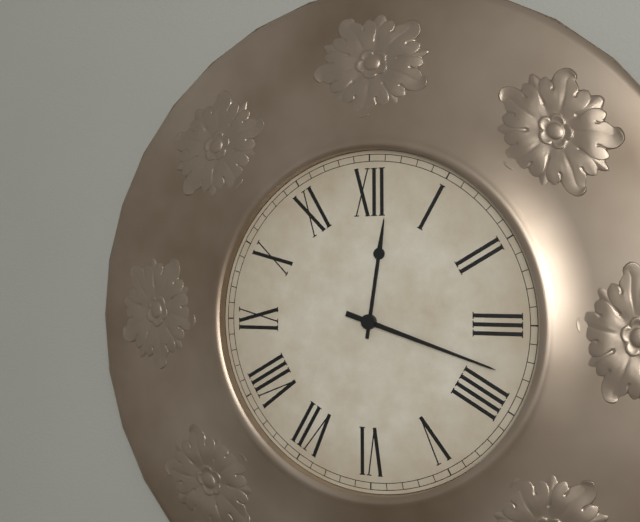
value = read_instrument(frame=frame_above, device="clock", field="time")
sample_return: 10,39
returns 12,18
